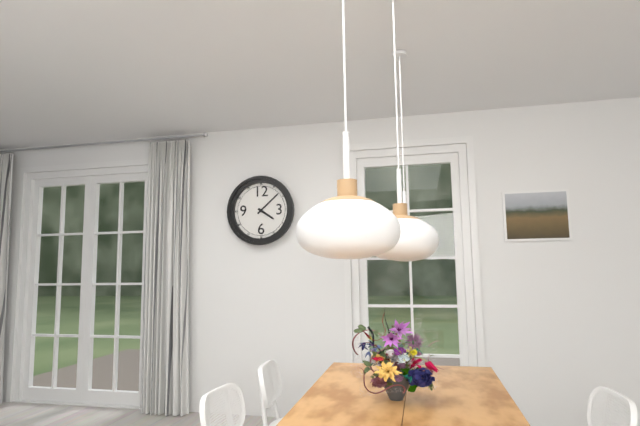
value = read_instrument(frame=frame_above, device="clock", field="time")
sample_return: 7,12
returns 4,08
